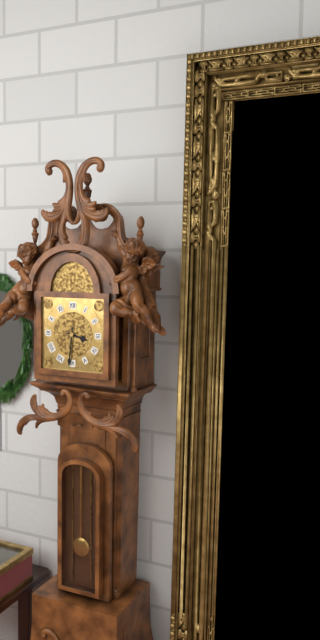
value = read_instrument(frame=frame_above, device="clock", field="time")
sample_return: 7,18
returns 3,31
